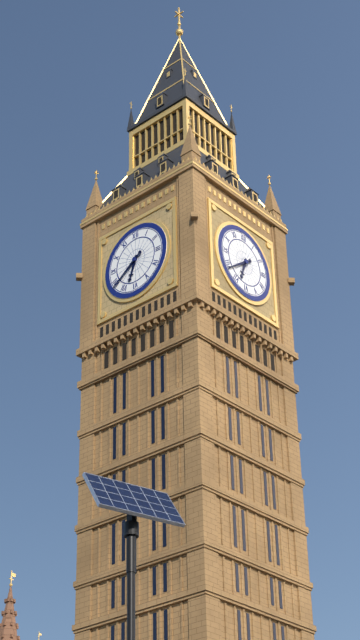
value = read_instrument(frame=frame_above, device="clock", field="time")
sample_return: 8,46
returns 6,39
